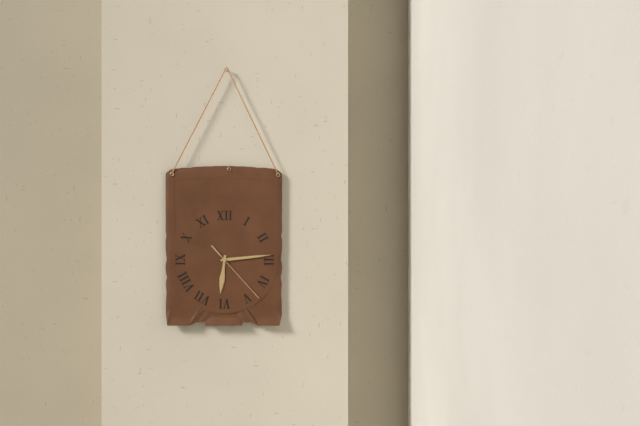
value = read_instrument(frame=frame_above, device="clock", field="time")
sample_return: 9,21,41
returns 6,14,23
